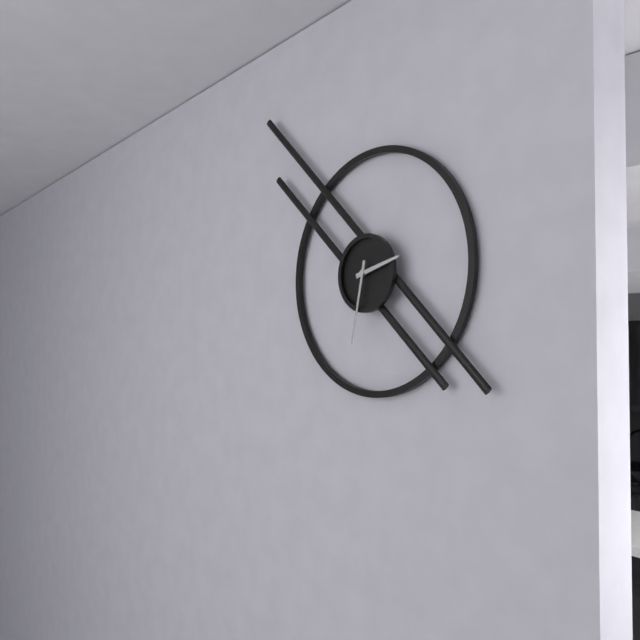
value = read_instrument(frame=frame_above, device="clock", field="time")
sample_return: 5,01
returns 2,32
